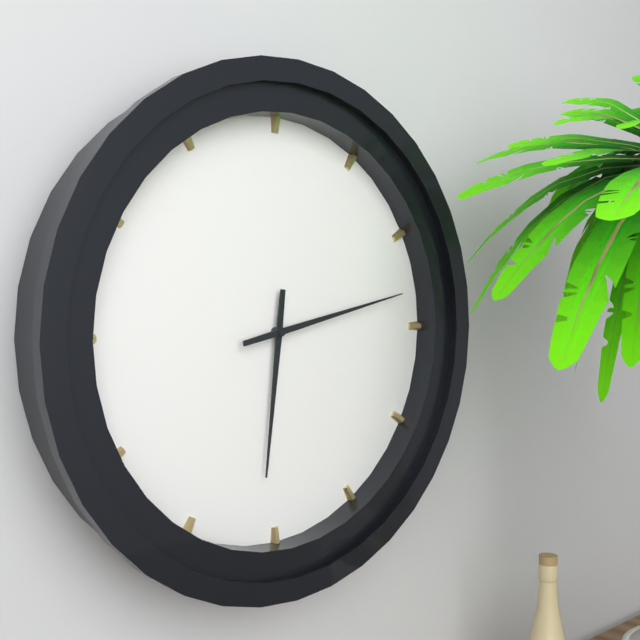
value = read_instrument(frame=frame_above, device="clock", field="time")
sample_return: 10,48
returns 6,13
